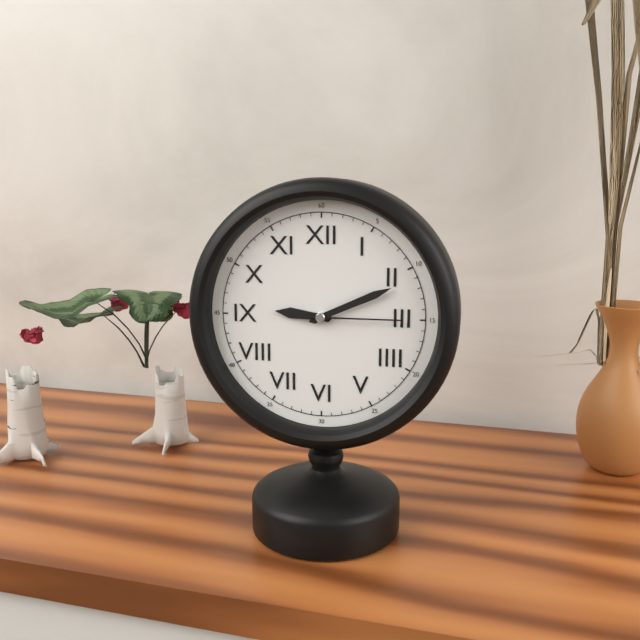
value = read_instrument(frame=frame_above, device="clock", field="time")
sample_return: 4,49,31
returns 9,11,15
